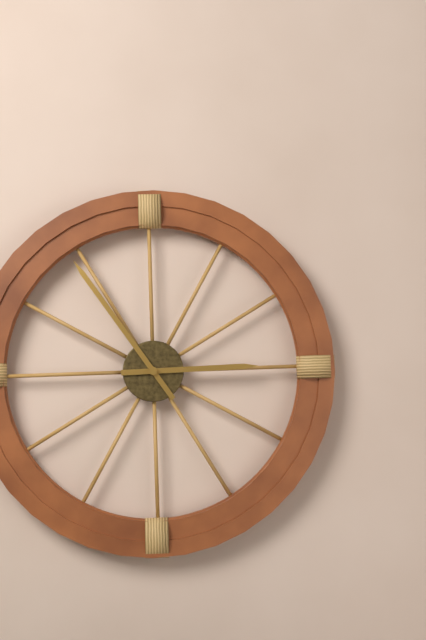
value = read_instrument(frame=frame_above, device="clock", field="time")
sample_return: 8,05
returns 2,54
